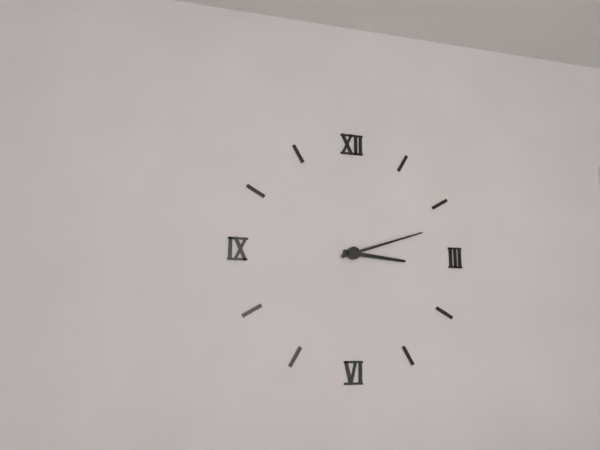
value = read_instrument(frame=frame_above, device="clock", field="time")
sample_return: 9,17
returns 3,12
